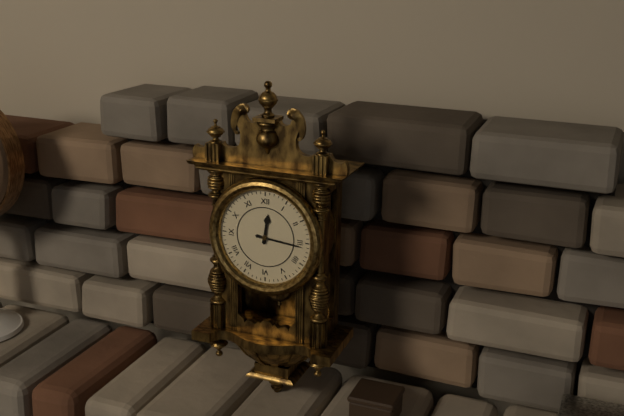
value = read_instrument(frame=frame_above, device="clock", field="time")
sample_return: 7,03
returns 12,16
